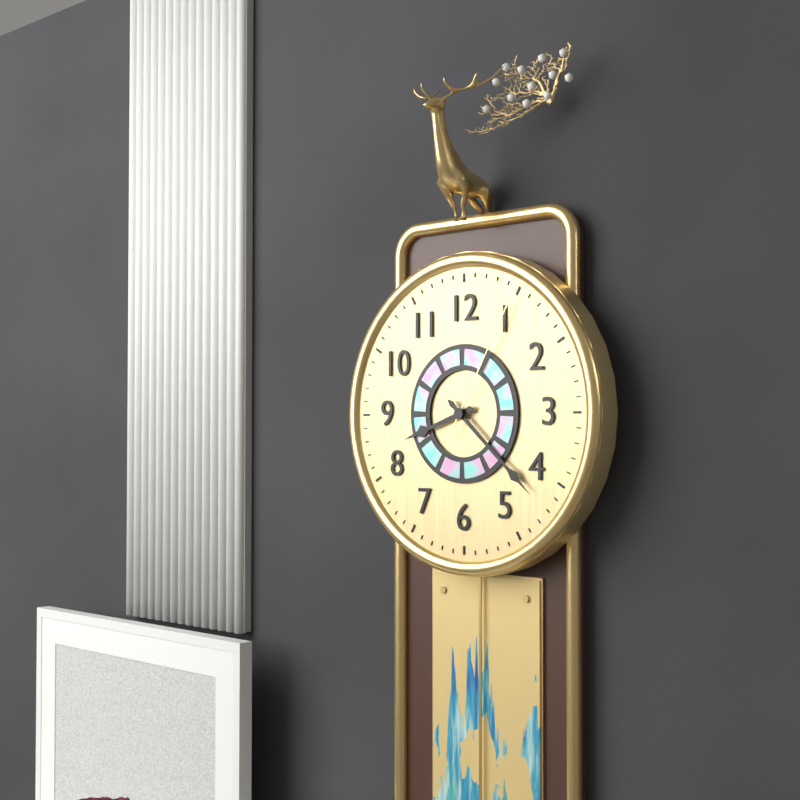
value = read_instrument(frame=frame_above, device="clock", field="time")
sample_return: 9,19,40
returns 8,22,05
